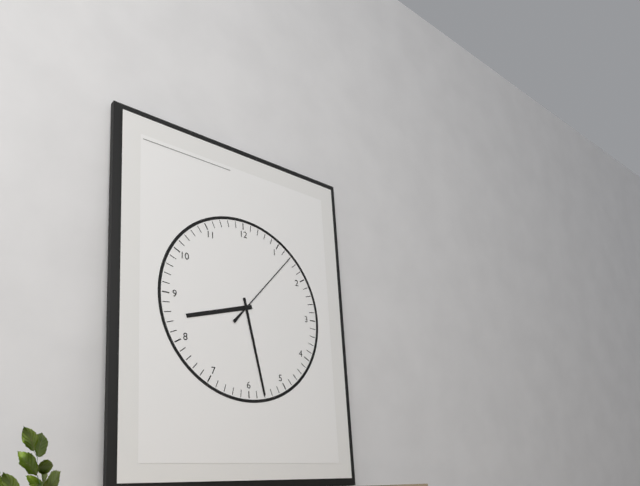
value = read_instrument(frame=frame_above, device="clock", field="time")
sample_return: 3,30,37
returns 8,28,07
